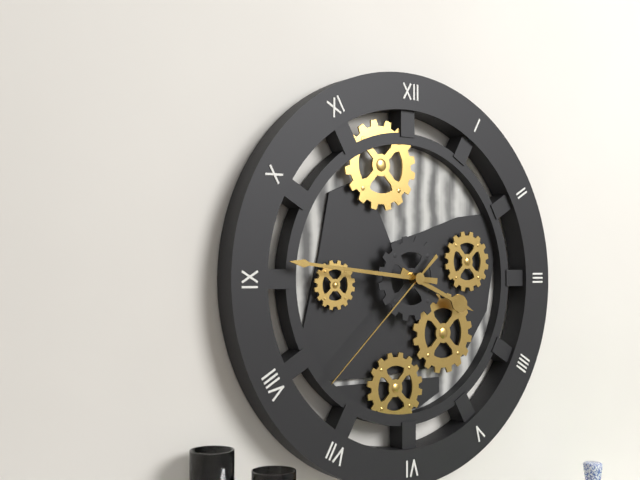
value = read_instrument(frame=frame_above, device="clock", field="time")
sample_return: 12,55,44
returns 3,46,38
